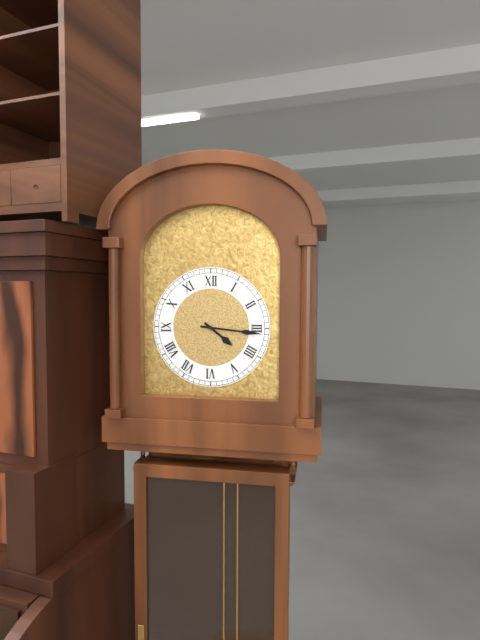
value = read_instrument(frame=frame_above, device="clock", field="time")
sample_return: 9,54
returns 4,16
